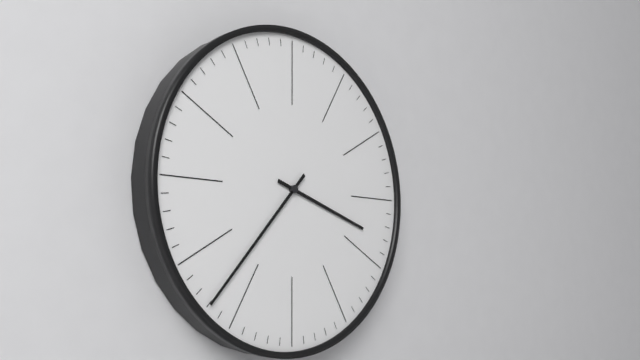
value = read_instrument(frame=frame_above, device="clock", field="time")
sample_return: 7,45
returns 3,37
